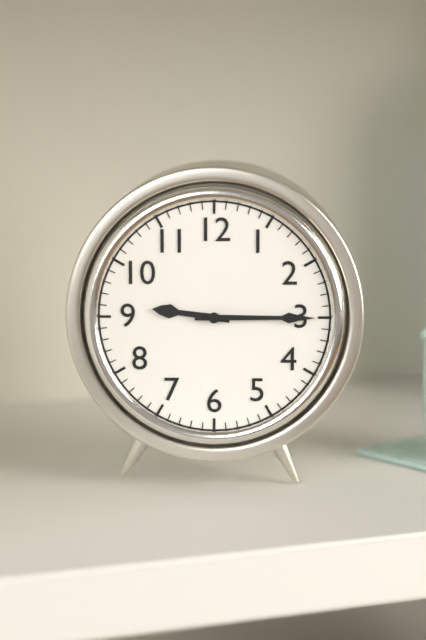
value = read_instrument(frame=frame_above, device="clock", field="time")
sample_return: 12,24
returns 9,15
